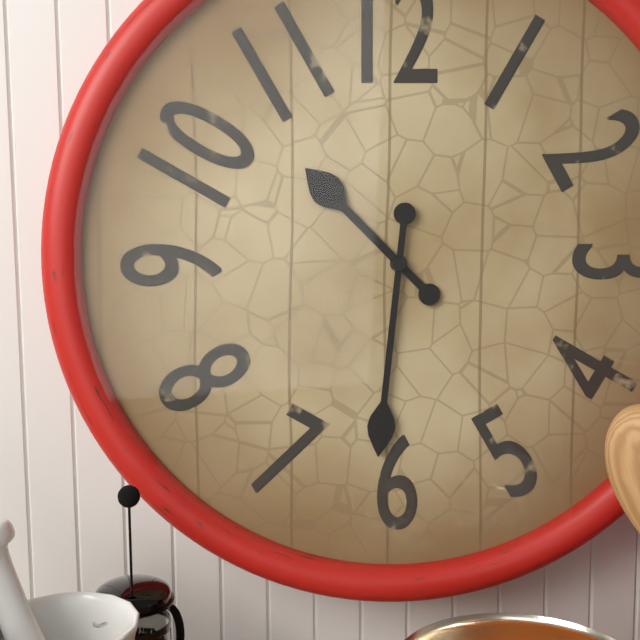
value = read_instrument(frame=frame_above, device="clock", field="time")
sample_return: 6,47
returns 10,31
